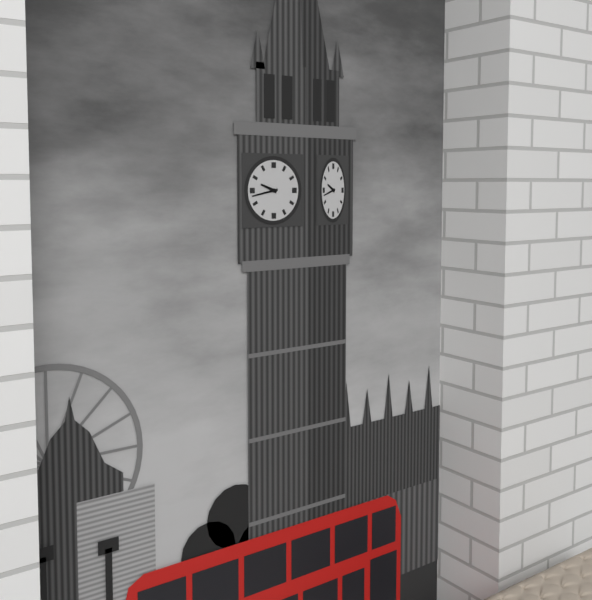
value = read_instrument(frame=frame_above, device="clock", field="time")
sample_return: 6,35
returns 9,43
